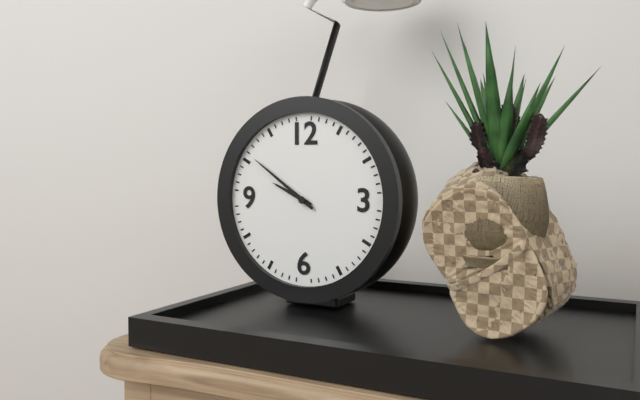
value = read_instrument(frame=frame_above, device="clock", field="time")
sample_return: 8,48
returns 9,51
